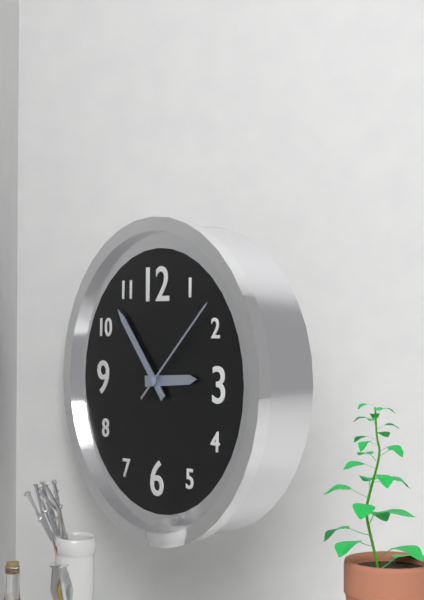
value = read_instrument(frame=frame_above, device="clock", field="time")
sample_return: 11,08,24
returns 2,53,08
